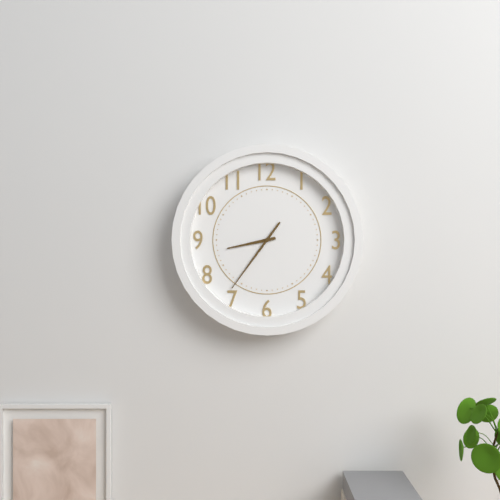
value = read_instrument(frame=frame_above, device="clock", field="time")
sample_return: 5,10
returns 8,36
